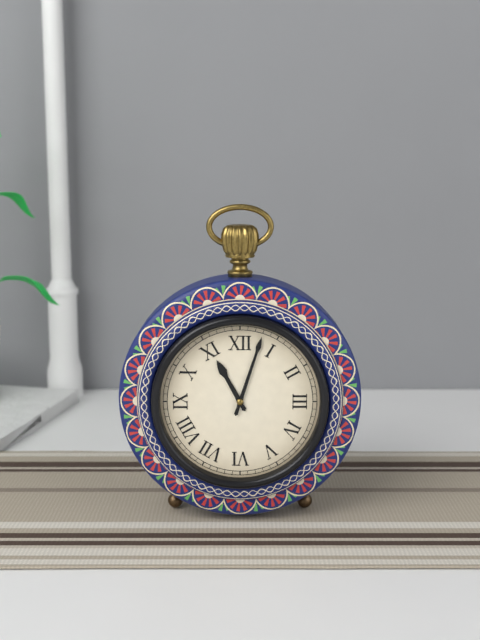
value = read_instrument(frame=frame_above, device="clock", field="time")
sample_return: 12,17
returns 11,03
